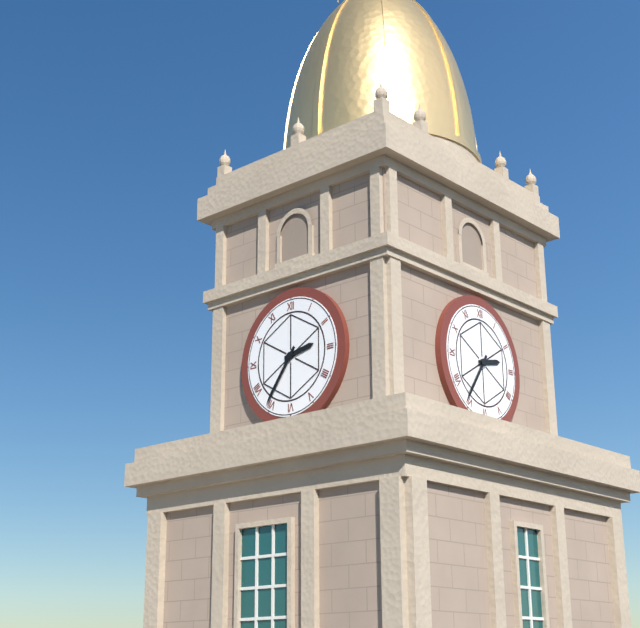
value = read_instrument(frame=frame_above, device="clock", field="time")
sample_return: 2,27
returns 2,36
